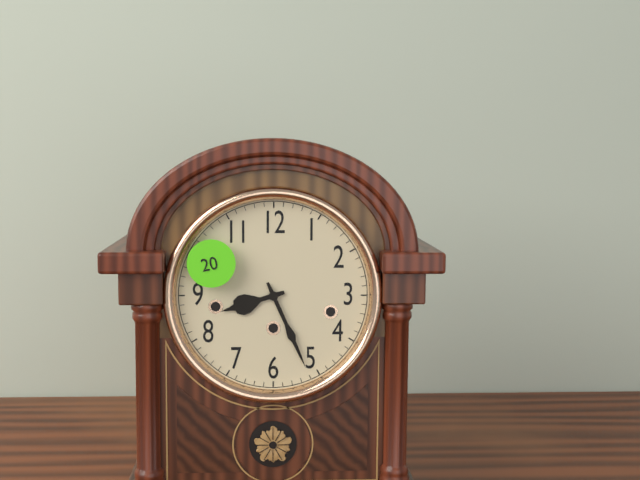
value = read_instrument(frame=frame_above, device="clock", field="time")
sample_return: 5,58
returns 8,26
